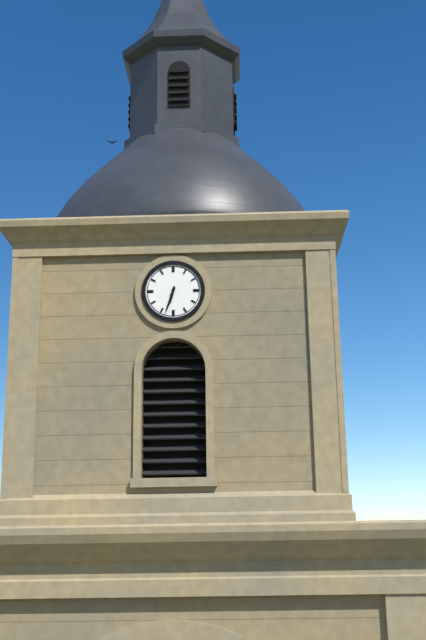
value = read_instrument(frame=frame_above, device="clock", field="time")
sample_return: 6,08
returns 6,33
